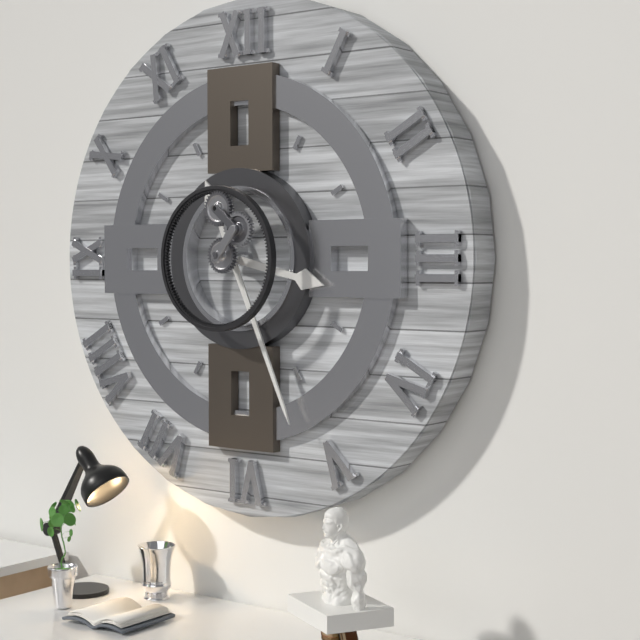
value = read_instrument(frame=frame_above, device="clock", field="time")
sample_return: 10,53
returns 3,26
